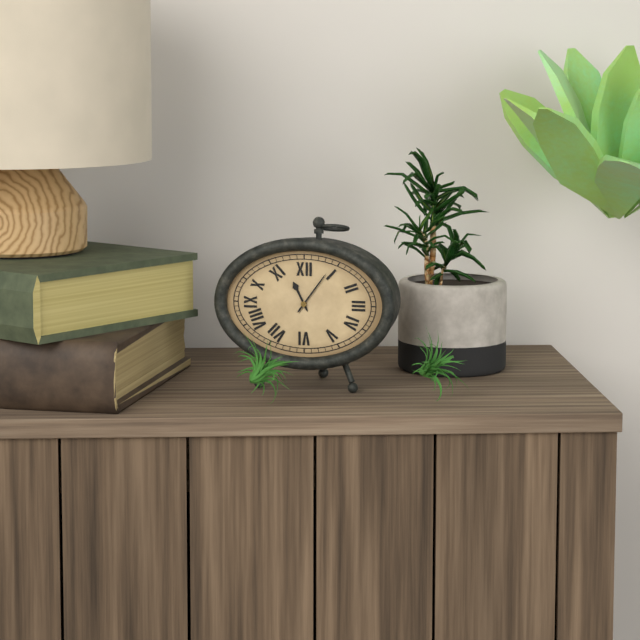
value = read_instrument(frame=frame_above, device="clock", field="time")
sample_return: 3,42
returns 11,06
